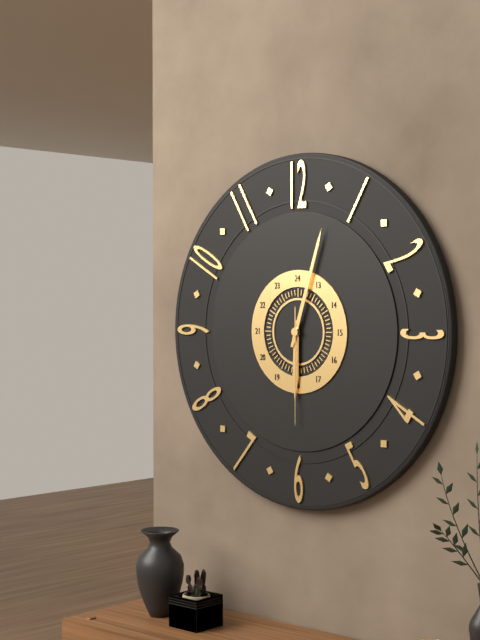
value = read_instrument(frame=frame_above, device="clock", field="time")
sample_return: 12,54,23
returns 6,03,30
